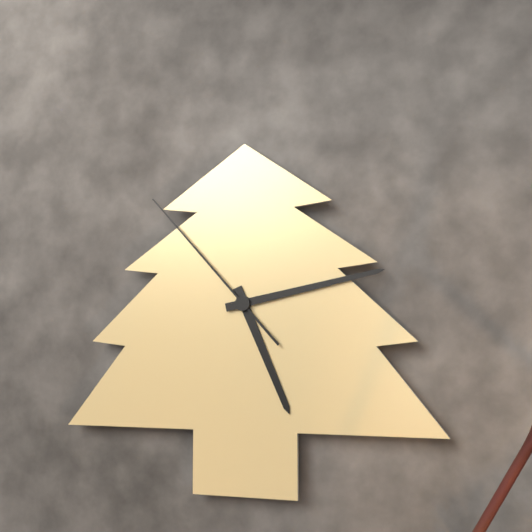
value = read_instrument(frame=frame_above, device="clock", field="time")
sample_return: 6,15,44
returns 5,13,53
